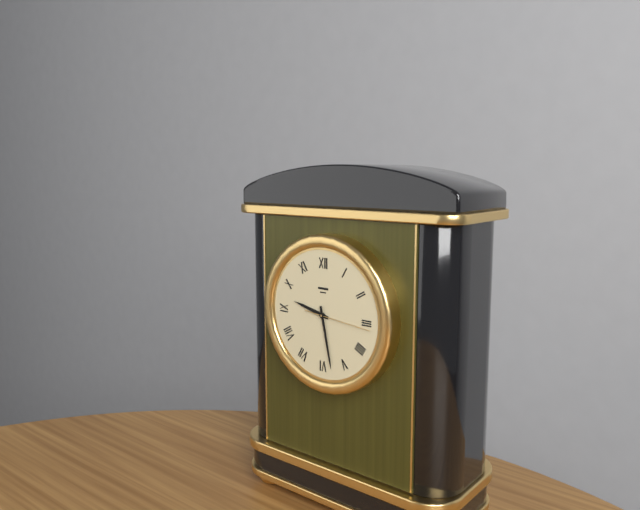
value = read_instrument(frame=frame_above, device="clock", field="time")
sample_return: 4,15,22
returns 9,28,16
